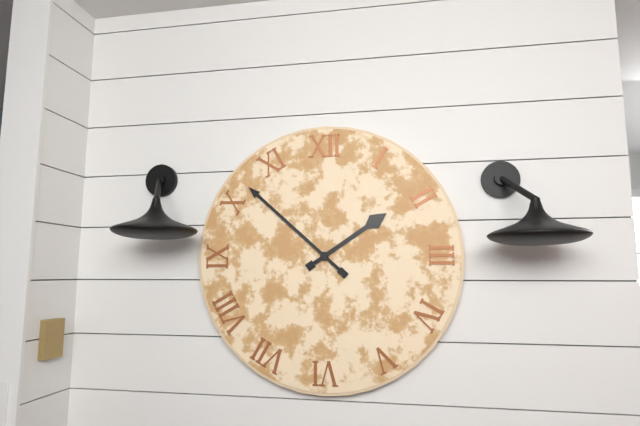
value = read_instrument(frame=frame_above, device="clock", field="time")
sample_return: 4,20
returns 1,52
